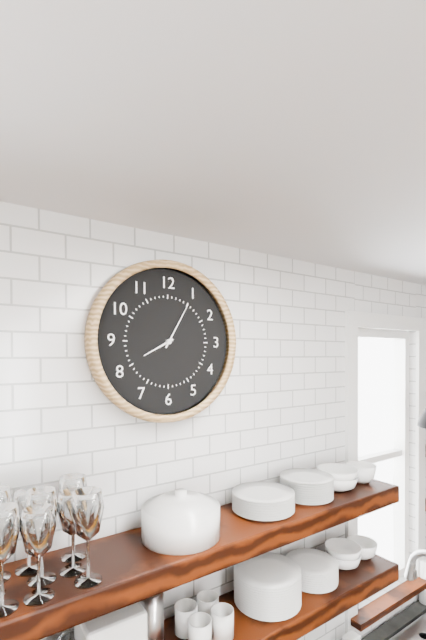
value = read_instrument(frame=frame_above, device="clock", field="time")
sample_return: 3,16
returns 8,05
